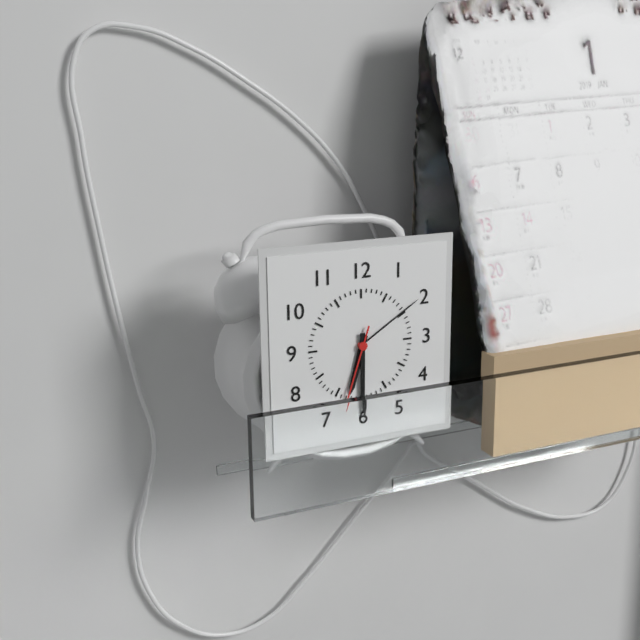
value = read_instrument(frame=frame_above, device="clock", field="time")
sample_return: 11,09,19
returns 6,30,33
